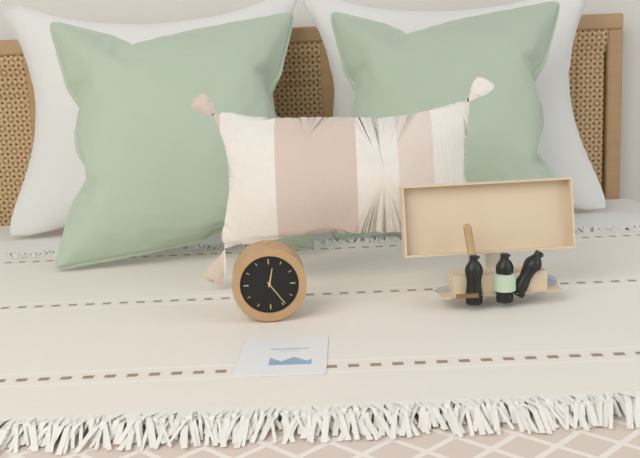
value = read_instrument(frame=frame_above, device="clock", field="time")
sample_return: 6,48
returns 12,24
